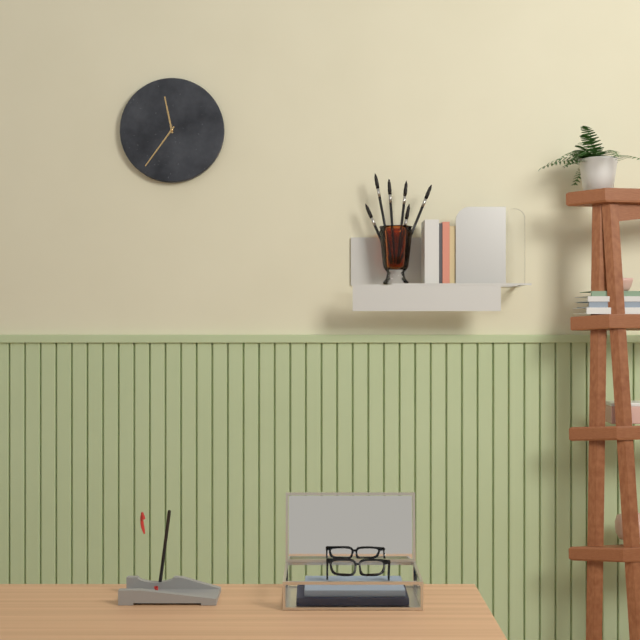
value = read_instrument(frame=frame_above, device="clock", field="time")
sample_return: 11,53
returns 11,36
